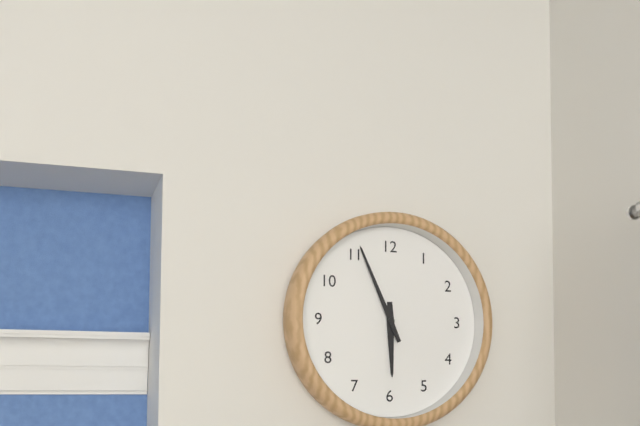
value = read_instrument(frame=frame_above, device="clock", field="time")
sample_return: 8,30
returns 5,56
